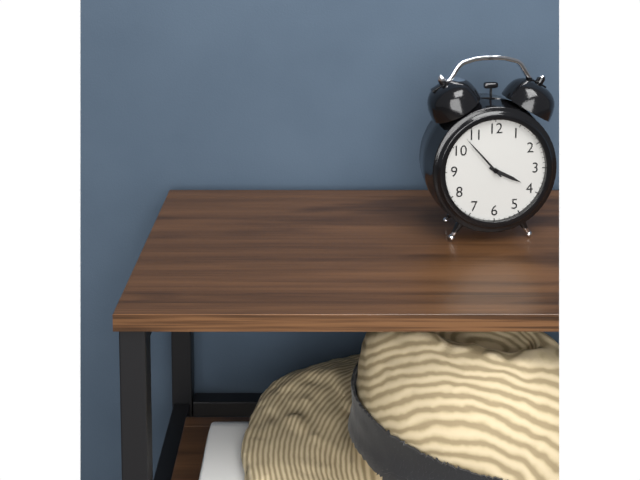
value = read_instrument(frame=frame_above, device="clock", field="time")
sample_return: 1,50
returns 3,53
